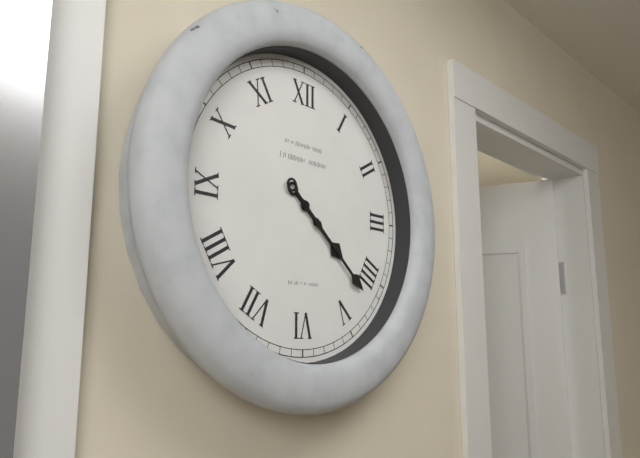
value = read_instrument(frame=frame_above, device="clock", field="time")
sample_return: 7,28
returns 4,22
